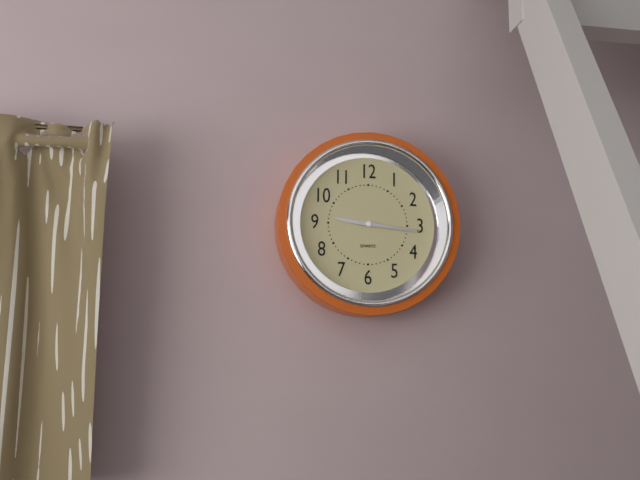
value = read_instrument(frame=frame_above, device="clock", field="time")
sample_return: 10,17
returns 9,16
